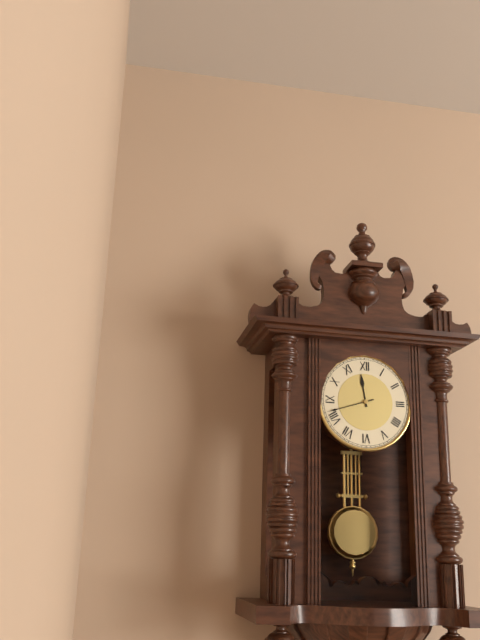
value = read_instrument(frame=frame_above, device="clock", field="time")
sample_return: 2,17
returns 11,42
